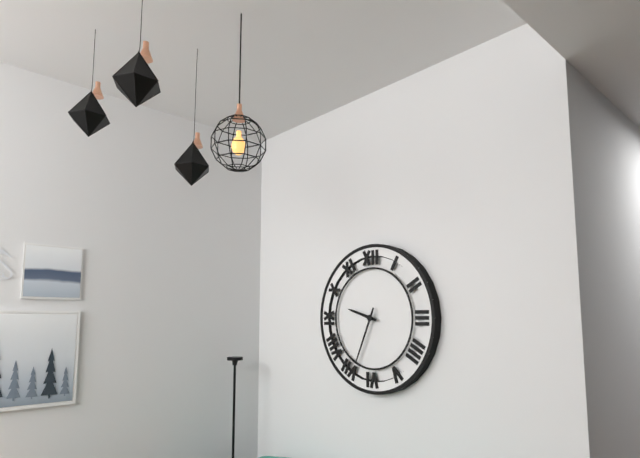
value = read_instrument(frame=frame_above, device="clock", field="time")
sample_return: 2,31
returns 9,34
